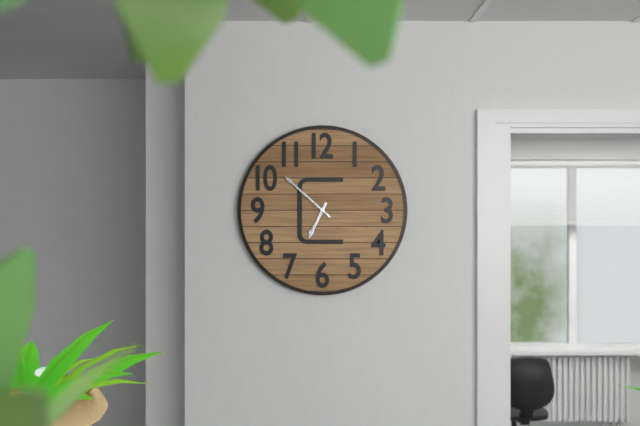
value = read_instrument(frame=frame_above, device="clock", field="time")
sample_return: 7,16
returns 6,52
